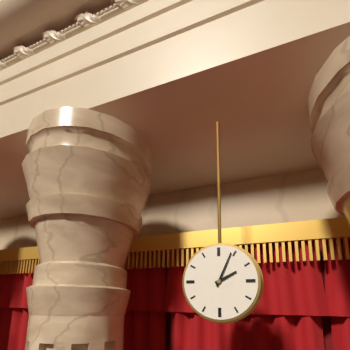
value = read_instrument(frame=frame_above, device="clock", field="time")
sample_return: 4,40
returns 2,04
